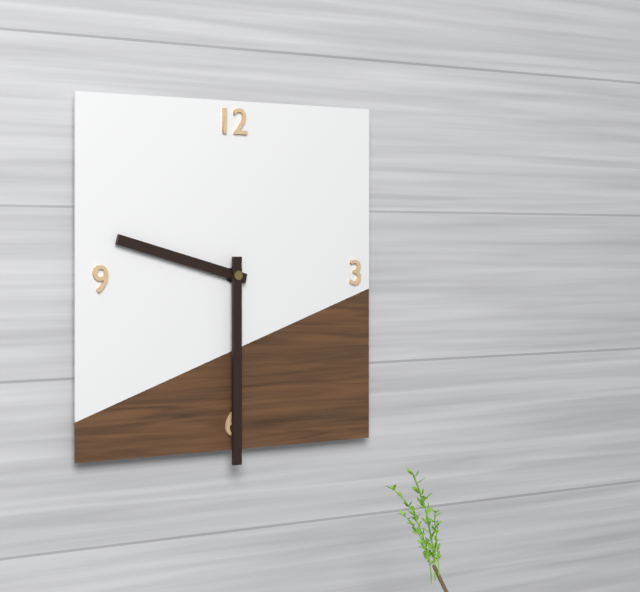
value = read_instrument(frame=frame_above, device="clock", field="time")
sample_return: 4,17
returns 9,30
